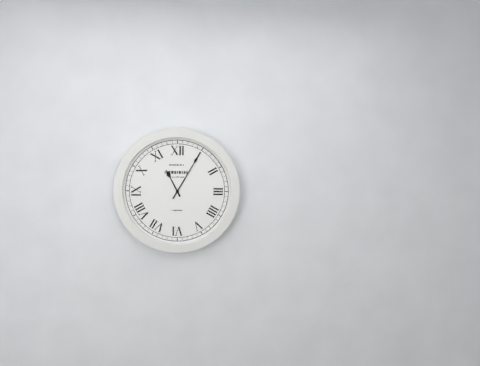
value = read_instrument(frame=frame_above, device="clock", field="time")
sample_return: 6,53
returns 11,05
